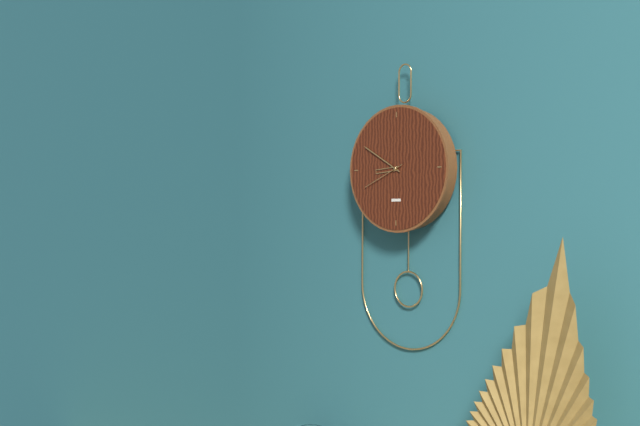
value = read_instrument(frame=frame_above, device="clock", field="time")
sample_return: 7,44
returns 8,50
